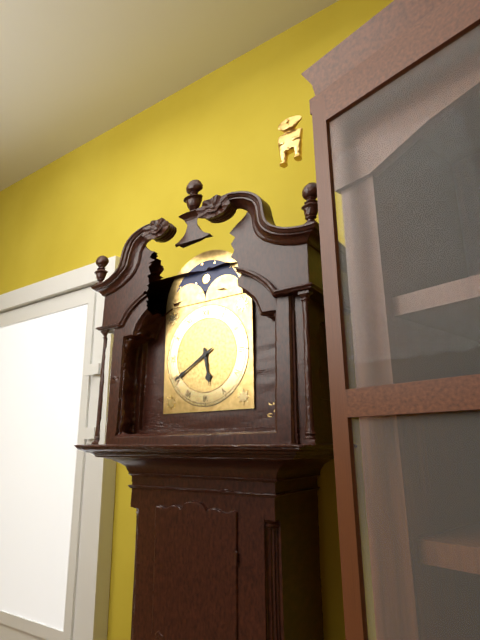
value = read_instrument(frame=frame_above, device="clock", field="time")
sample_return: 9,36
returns 5,40
